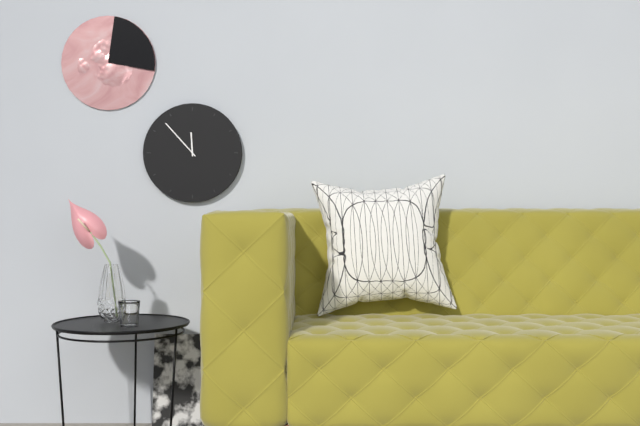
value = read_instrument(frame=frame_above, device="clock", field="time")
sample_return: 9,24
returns 11,53
